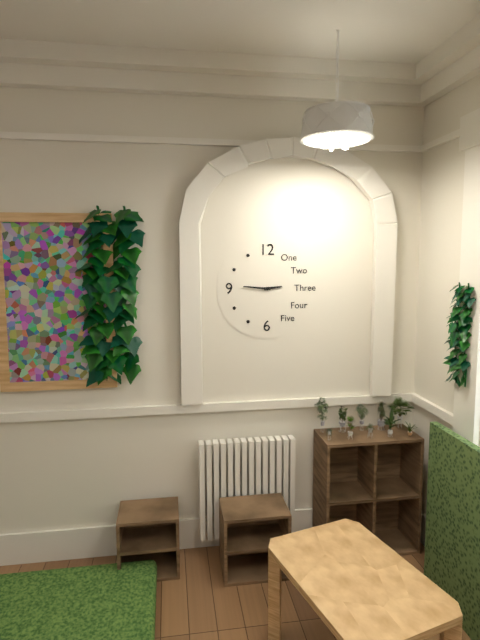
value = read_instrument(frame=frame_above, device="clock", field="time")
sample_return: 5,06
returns 2,46
